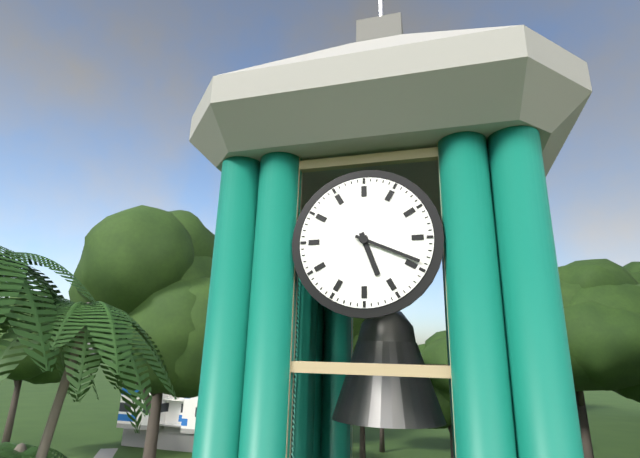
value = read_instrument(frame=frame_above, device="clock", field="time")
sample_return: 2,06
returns 5,19
